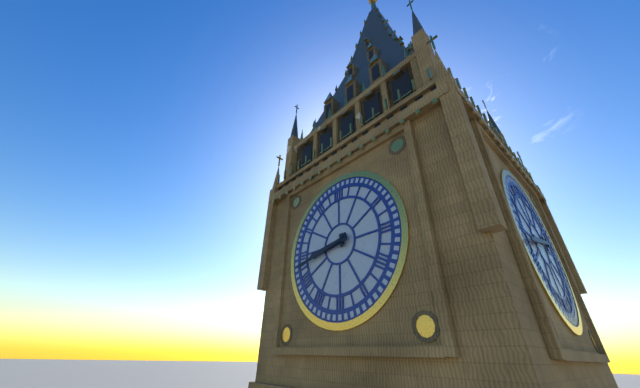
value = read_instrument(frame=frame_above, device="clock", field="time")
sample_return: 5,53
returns 8,43
